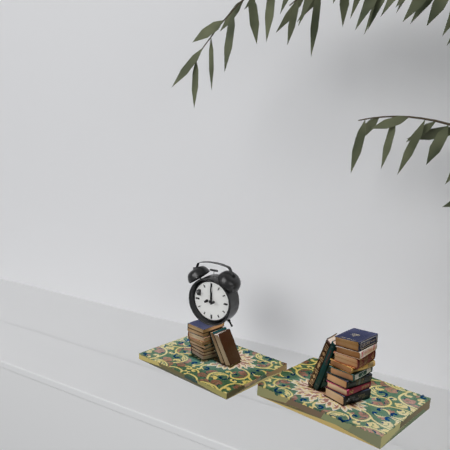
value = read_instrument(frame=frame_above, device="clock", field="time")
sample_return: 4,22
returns 12,00
